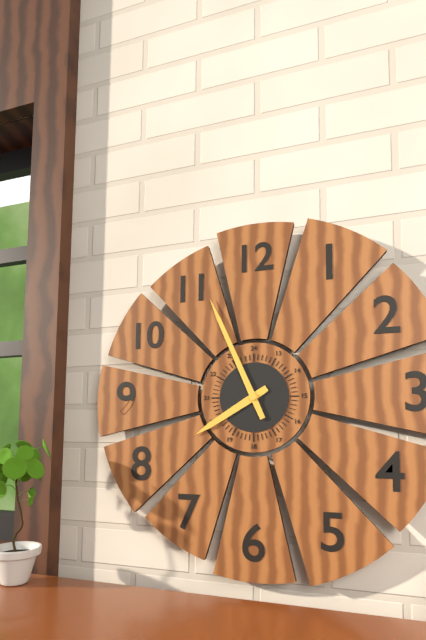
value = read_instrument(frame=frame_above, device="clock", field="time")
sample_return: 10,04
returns 7,56
